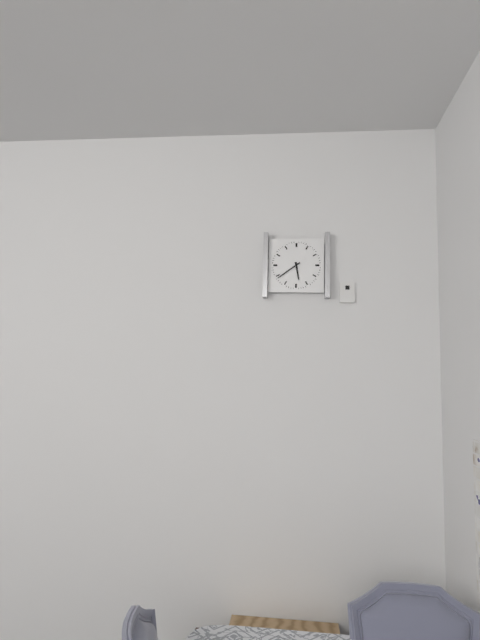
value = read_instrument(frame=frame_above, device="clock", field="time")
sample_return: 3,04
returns 5,39
